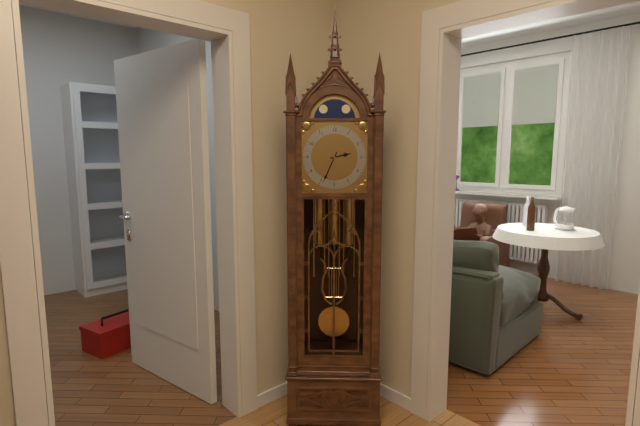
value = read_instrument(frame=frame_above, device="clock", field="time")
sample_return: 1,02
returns 2,34
